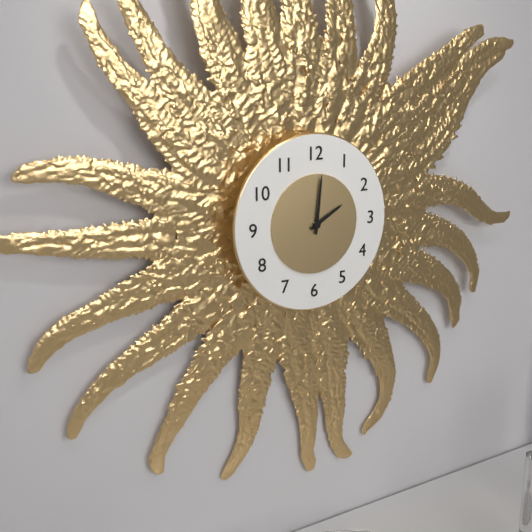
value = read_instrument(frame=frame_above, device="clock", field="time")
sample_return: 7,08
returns 2,01
